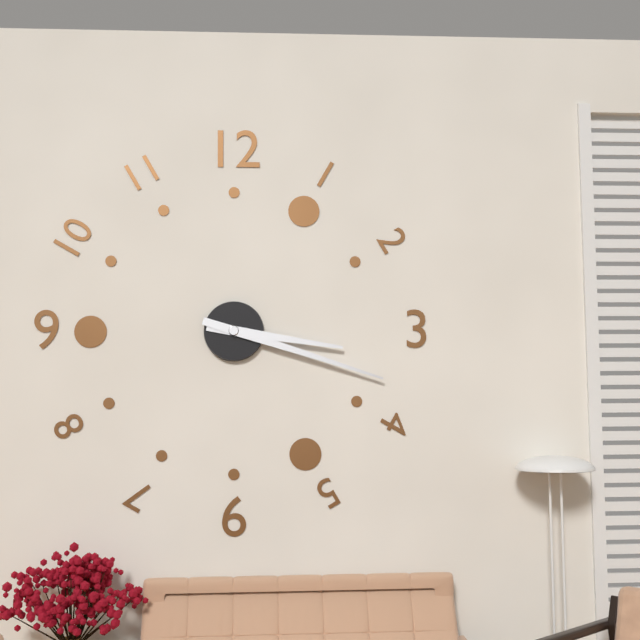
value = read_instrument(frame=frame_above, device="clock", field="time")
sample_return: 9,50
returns 3,18
